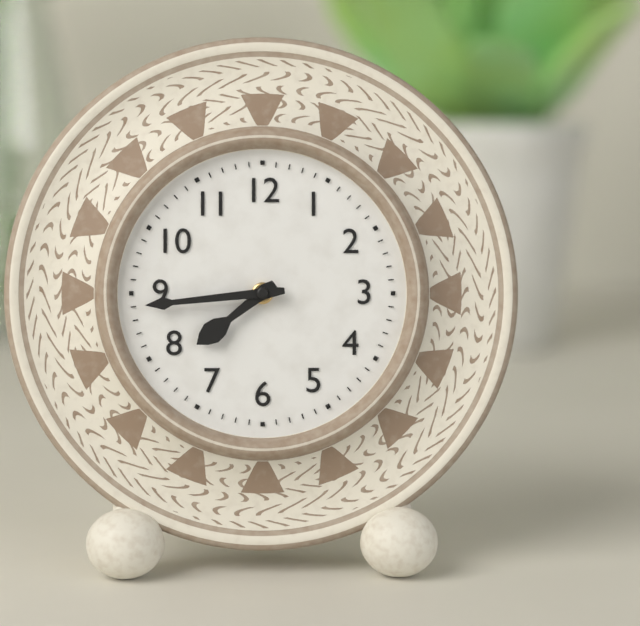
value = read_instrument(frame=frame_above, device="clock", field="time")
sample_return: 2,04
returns 7,44
